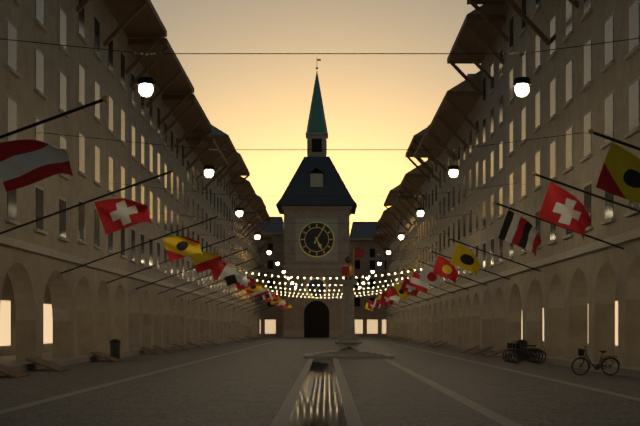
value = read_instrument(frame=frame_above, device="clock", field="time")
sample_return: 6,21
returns 5,05
